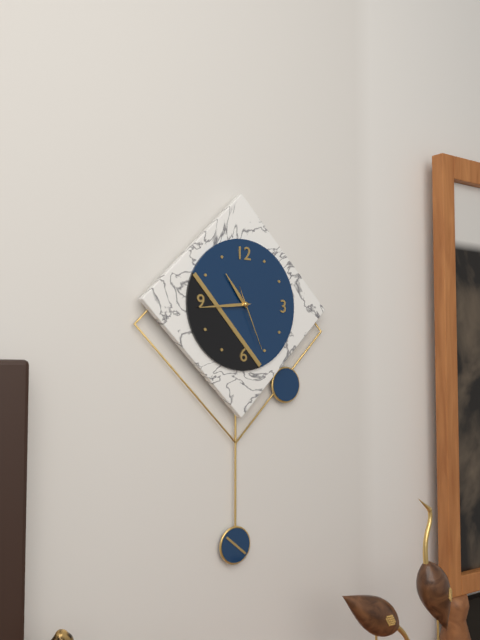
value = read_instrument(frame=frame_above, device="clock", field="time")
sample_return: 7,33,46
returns 10,44,26
